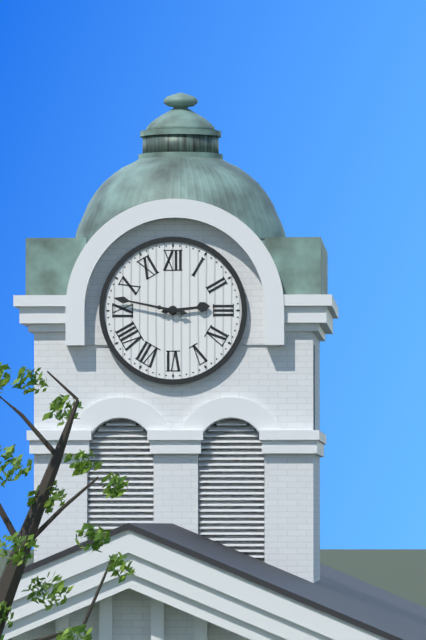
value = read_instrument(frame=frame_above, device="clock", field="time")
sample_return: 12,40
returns 2,47
